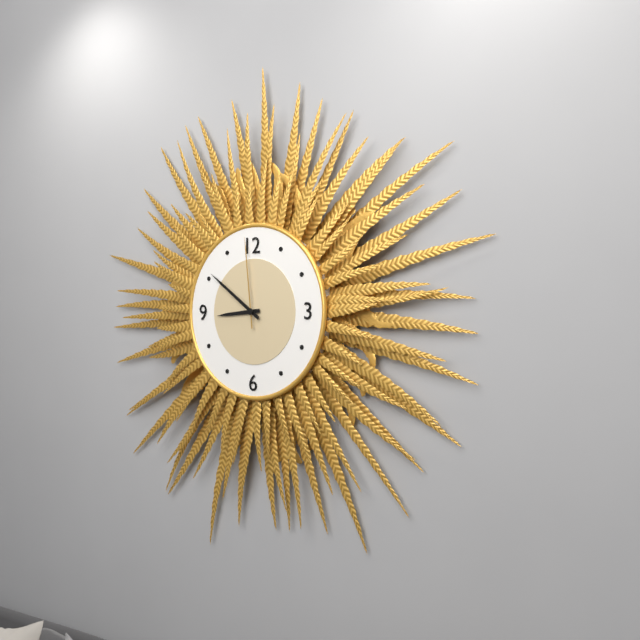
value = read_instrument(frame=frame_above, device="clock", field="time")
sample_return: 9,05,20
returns 8,51,59
